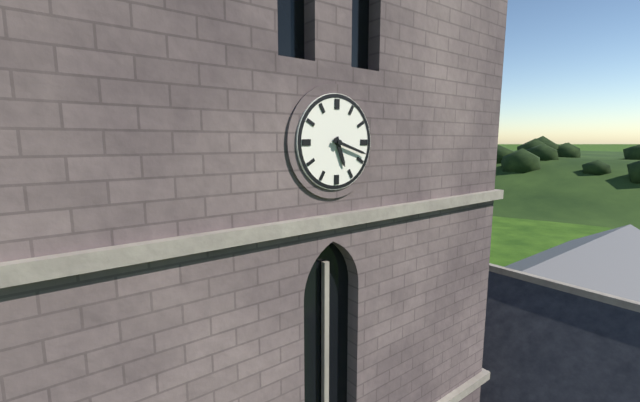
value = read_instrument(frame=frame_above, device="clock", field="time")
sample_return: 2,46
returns 5,18
